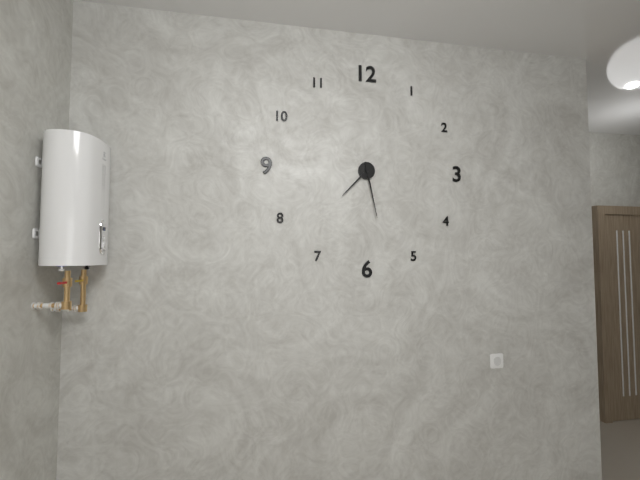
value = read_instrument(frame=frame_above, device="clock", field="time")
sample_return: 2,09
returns 7,28
